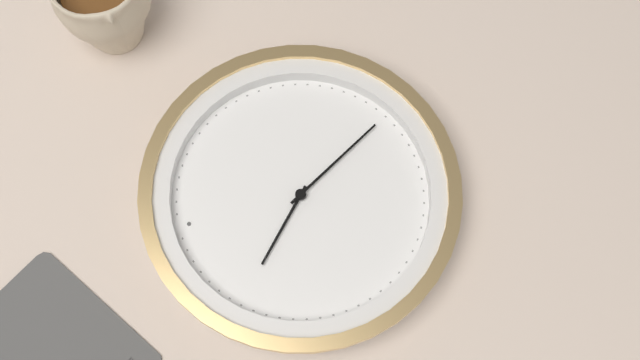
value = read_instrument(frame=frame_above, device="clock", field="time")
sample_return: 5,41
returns 10,25
